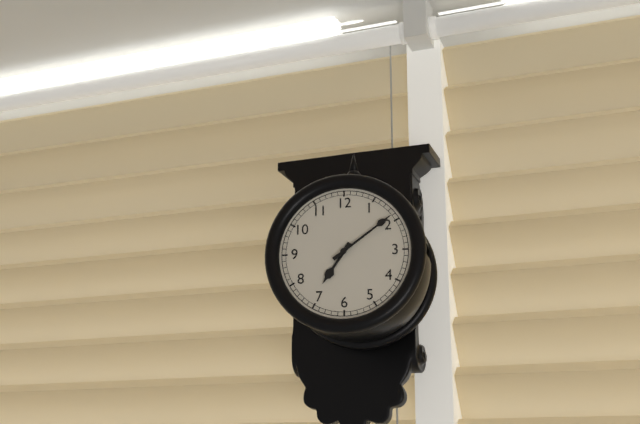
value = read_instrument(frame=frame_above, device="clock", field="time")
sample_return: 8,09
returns 7,09
